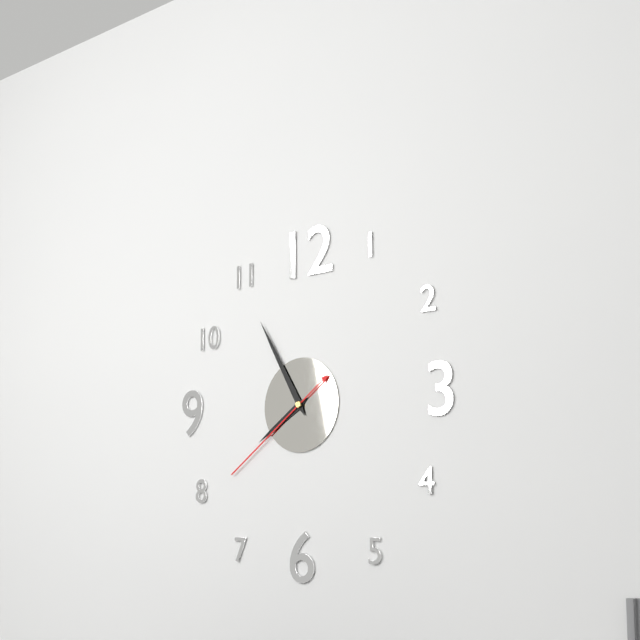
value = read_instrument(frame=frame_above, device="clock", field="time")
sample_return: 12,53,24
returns 7,55,39
